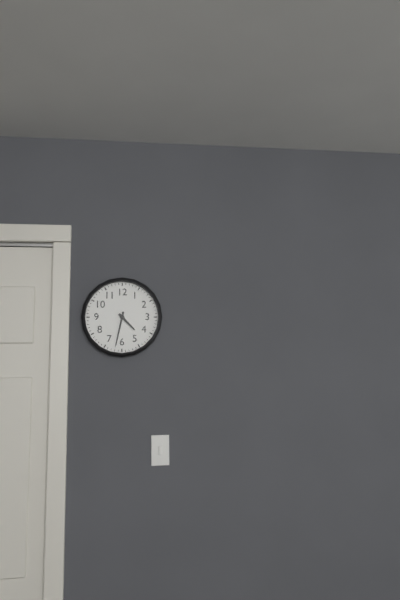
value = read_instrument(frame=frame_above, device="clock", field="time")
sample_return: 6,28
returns 4,32
